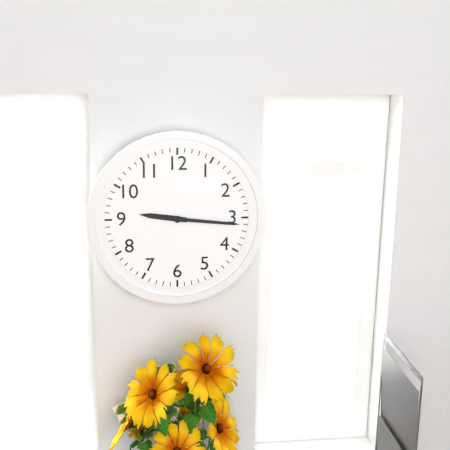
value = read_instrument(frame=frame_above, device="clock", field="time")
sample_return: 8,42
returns 9,16
